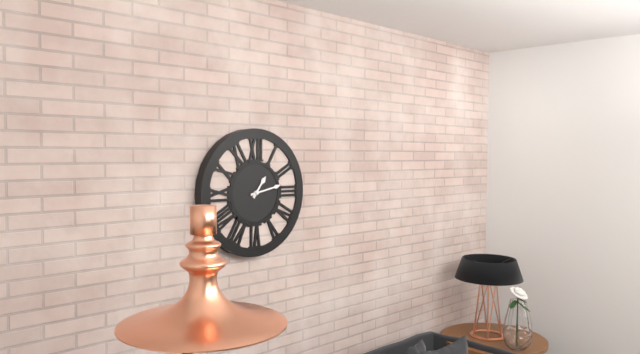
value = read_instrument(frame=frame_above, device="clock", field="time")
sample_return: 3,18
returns 1,13
